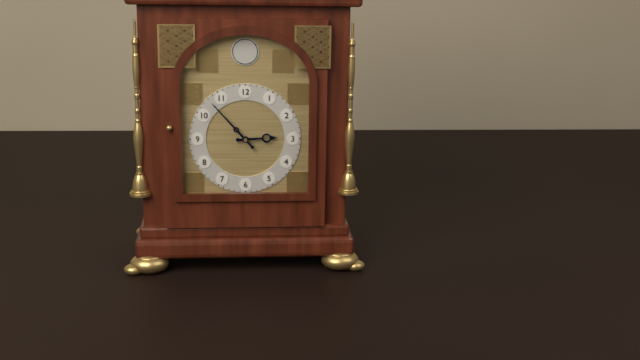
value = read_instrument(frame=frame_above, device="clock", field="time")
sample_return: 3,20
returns 2,53
